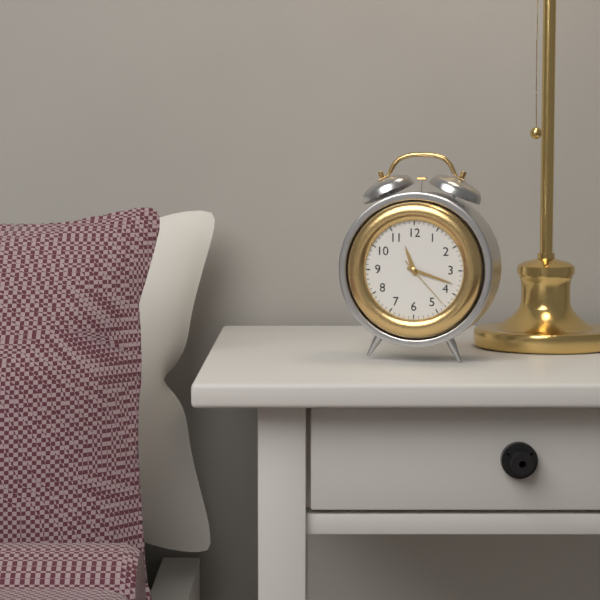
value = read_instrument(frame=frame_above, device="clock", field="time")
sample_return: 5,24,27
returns 11,18,23
